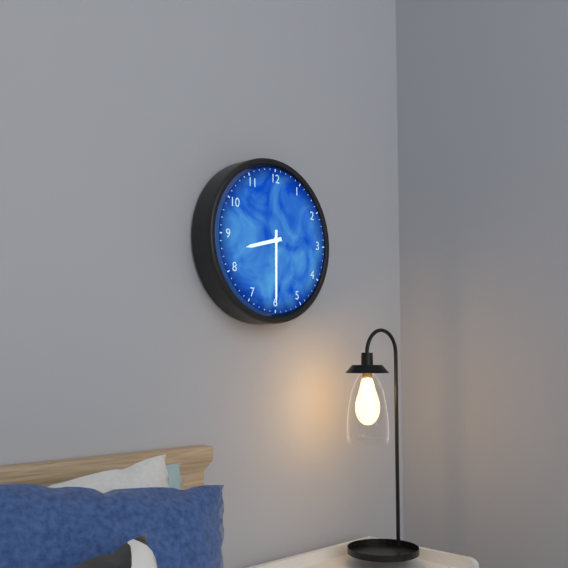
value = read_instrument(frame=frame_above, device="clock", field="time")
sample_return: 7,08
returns 8,30
